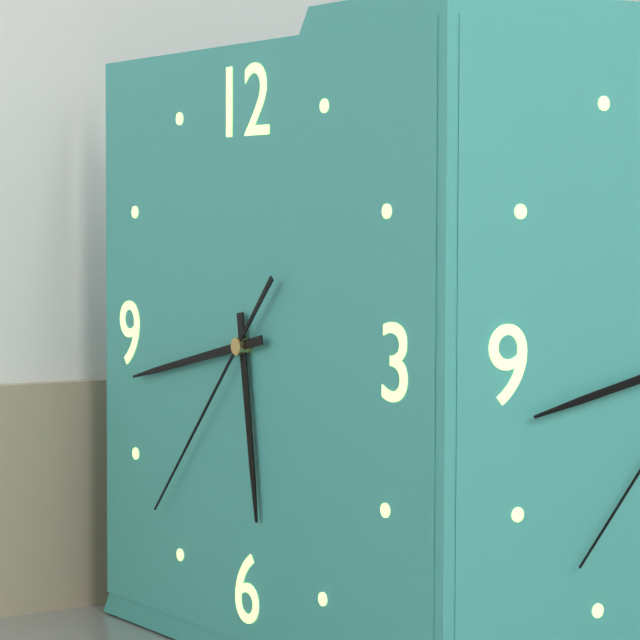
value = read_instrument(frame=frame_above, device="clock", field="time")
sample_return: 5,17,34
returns 5,43,37
